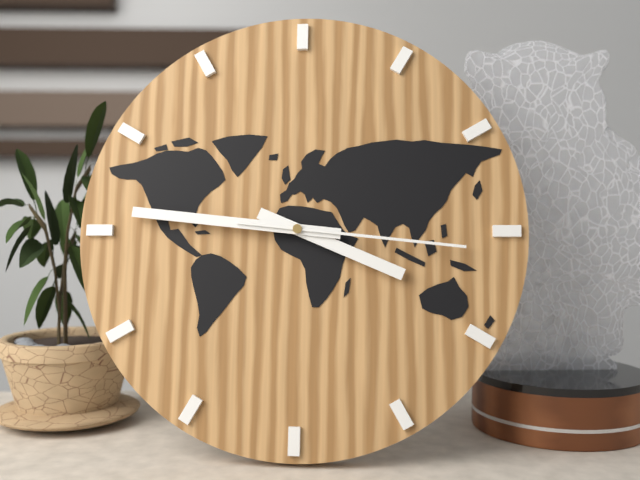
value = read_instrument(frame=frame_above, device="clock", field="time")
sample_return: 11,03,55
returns 3,46,16
